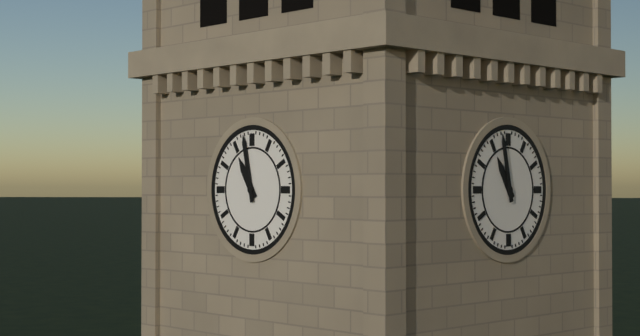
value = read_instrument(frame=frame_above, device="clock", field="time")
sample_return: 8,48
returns 10,58
